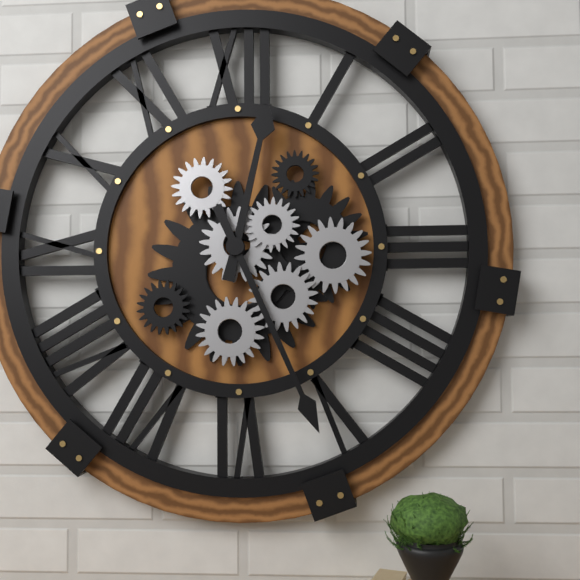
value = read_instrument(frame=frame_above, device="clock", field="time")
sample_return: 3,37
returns 12,26
